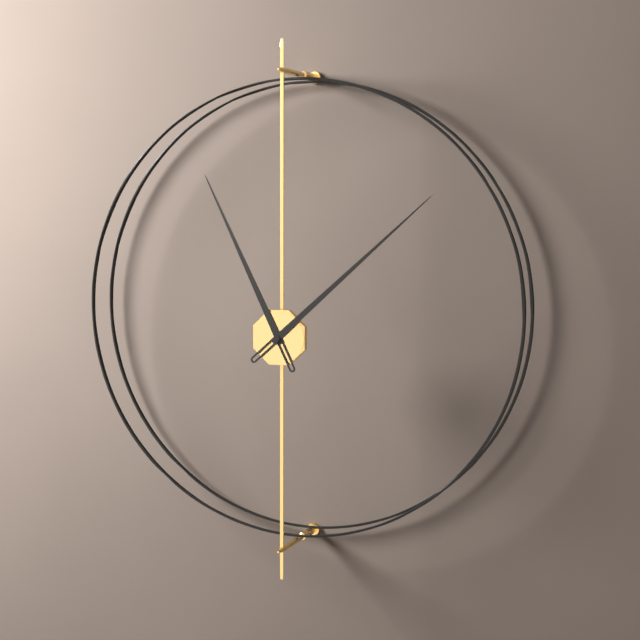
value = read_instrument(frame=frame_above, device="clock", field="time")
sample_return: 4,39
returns 11,08
